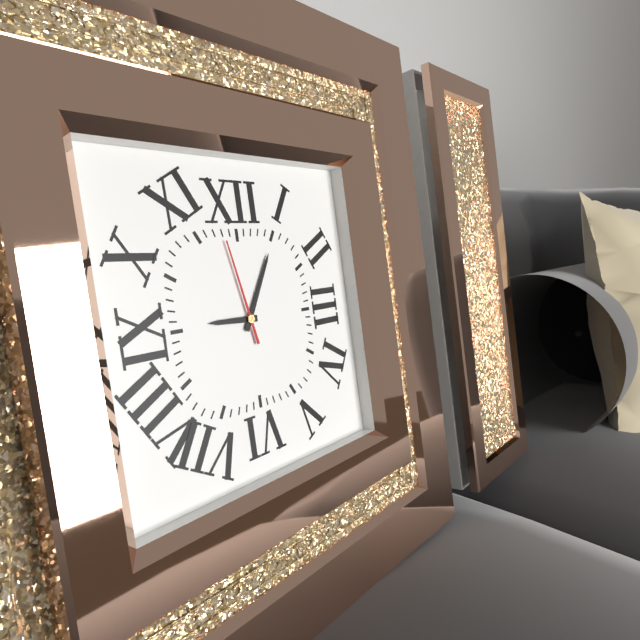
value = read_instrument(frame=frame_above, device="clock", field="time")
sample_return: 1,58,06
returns 9,05,58
